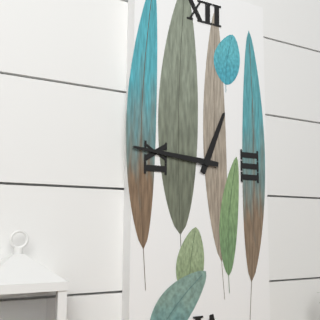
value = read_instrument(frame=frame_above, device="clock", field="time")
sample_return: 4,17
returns 12,46
